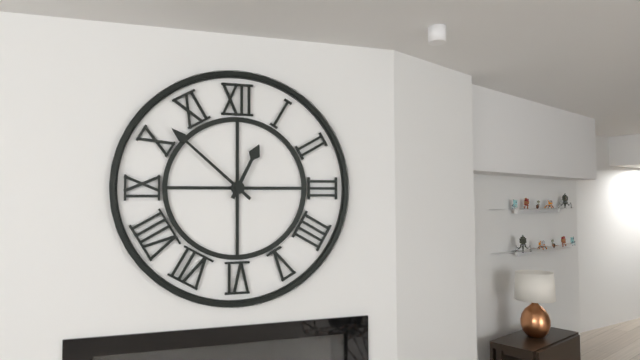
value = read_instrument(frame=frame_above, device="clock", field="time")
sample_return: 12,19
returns 12,52
